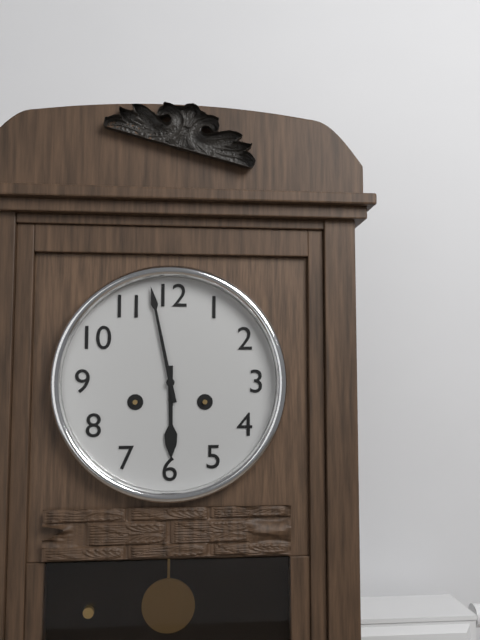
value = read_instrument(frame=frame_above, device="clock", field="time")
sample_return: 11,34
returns 5,58
